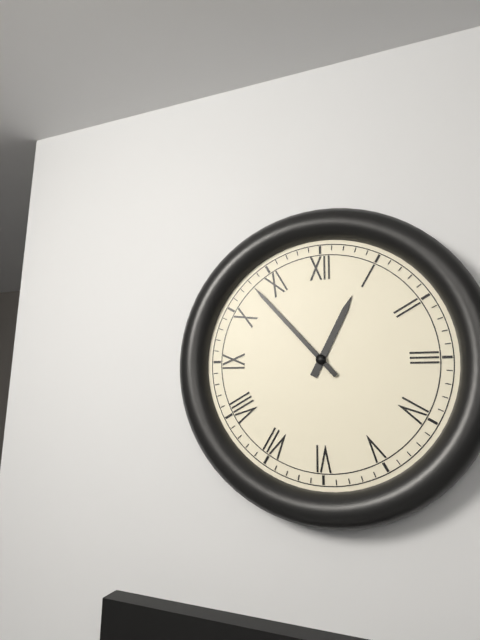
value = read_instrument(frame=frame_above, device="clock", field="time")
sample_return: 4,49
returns 12,53
